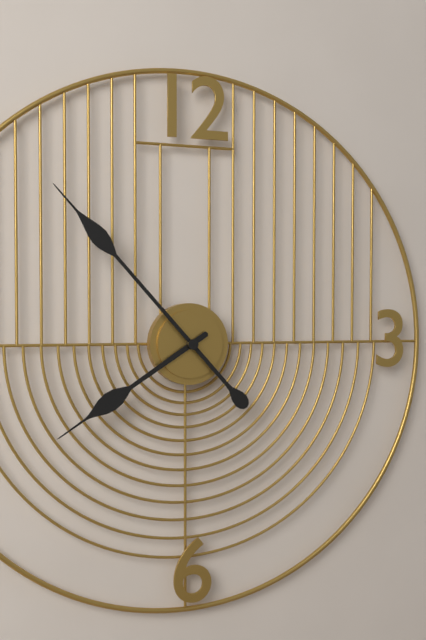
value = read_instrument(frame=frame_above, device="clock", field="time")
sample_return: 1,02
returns 7,53
